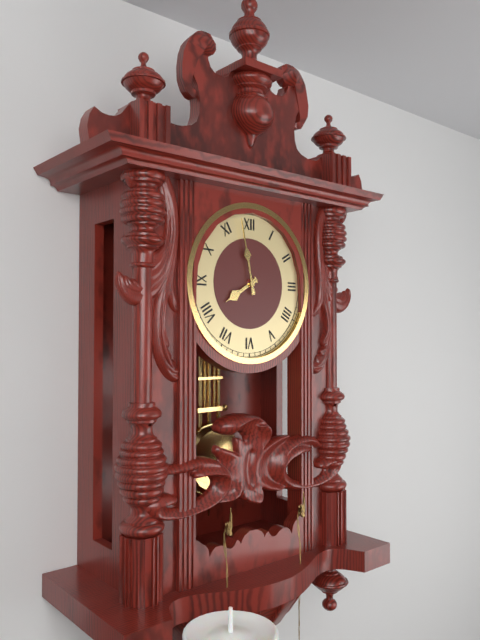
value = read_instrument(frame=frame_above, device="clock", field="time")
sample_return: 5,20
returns 7,58
